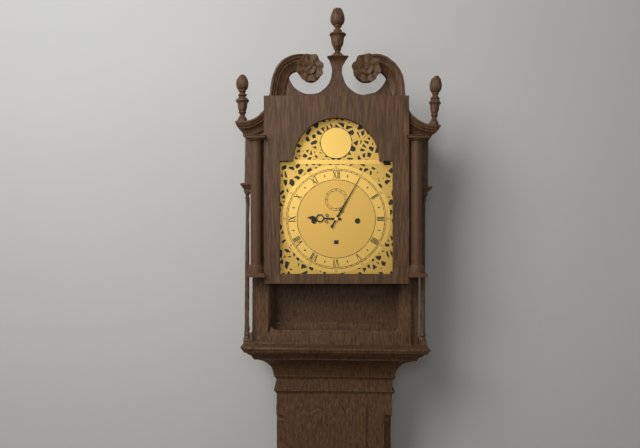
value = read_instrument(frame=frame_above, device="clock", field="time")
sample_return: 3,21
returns 9,05
